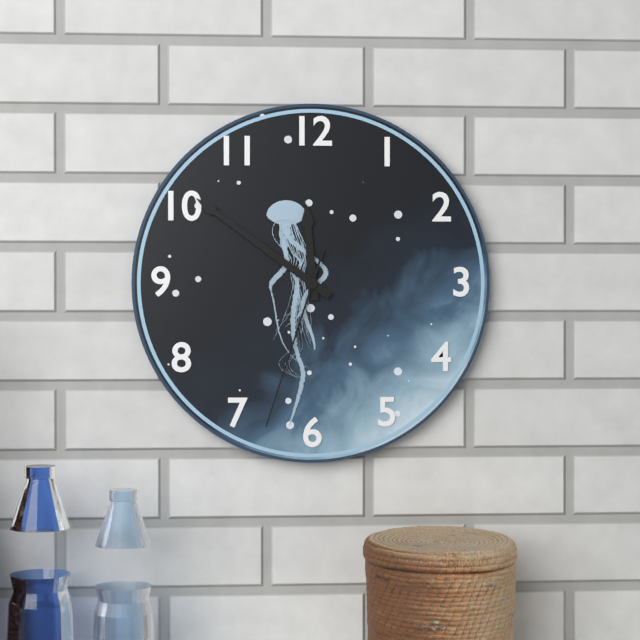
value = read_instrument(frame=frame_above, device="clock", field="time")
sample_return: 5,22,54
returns 11,51,33
